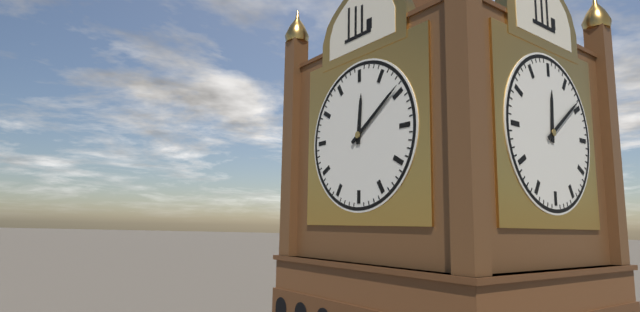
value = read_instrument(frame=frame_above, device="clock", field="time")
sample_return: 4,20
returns 12,09
